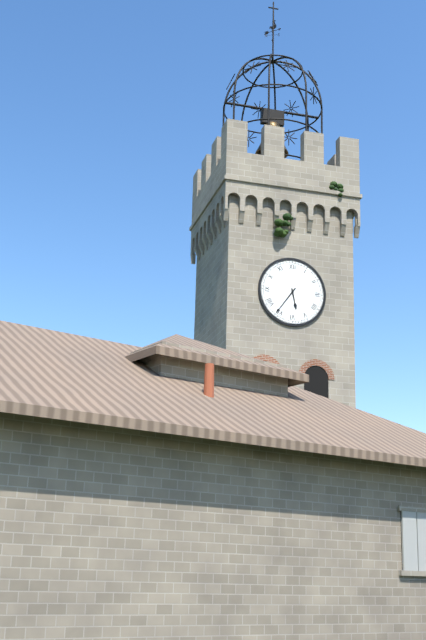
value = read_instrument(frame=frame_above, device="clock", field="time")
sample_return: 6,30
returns 5,36
